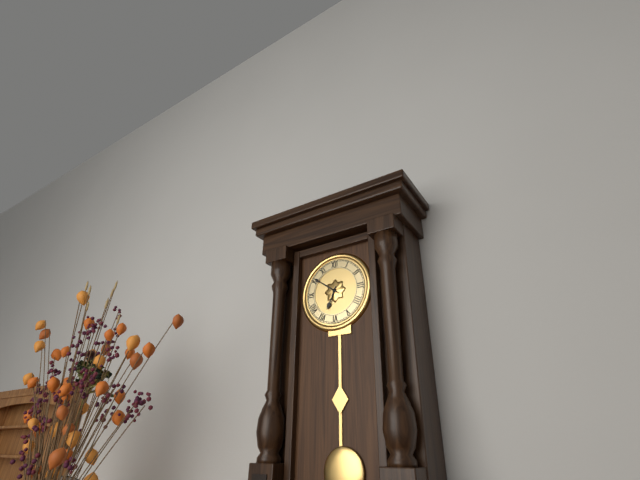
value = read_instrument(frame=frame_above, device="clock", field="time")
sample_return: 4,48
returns 6,51
